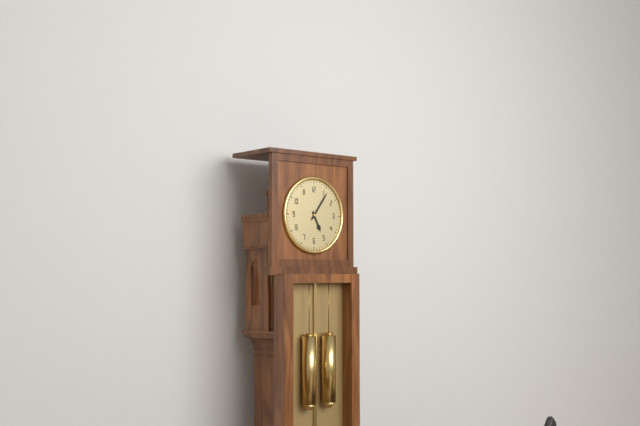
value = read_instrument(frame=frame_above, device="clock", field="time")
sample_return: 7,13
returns 5,06
